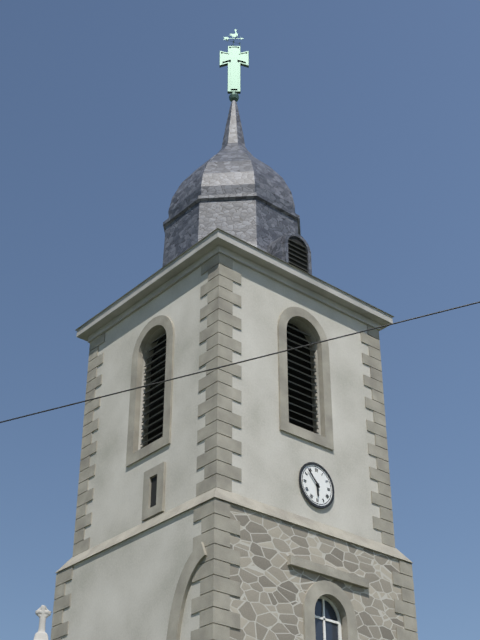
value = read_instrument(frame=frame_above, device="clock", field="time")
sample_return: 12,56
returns 5,53
